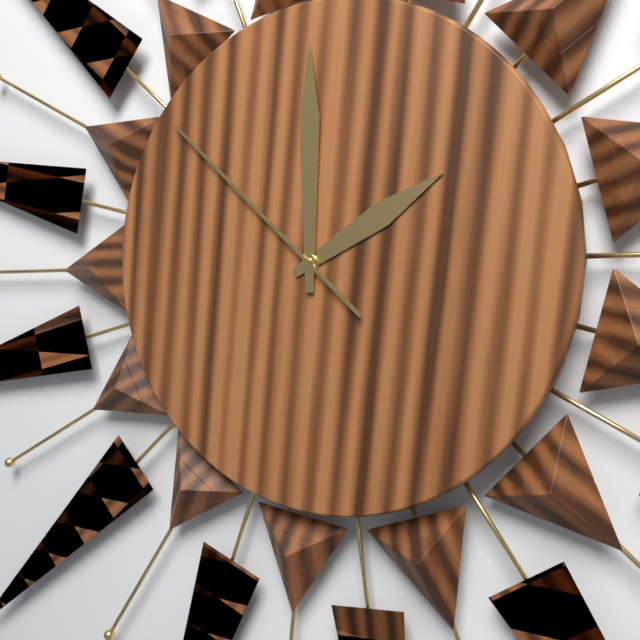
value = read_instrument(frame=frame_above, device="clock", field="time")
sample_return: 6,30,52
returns 2,00,52
